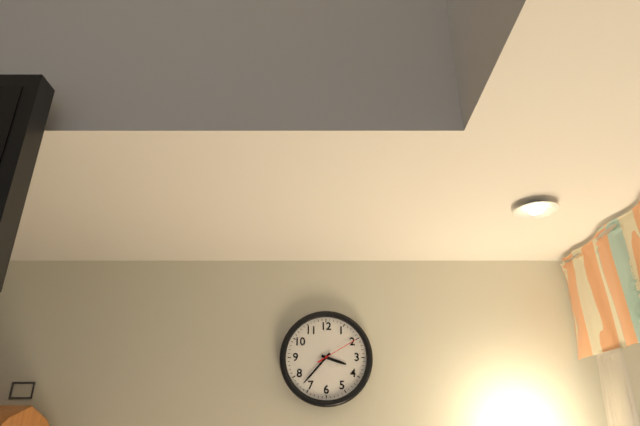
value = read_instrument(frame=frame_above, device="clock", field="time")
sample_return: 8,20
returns 3,37
